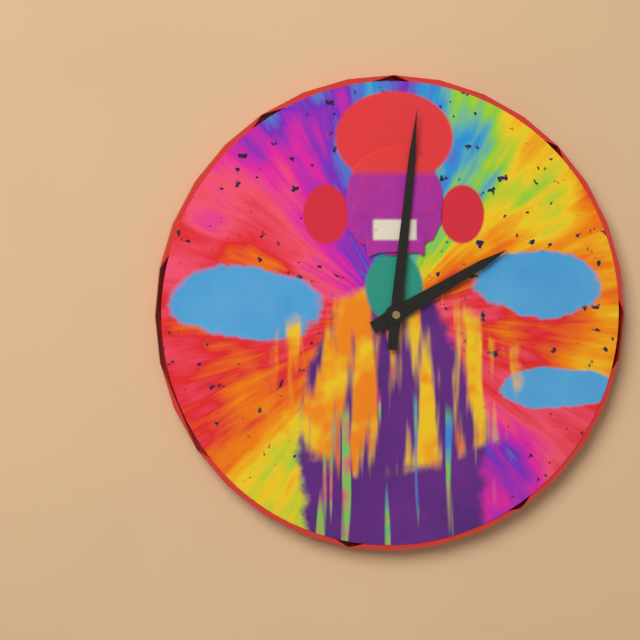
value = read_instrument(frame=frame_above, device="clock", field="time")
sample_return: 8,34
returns 2,01
